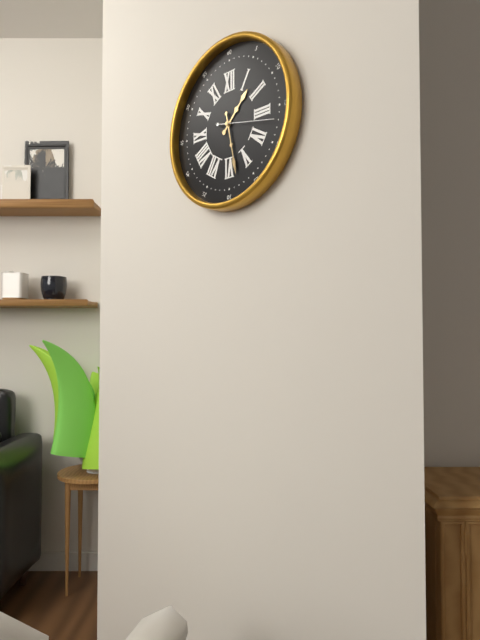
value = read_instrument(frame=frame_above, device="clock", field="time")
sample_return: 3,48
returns 1,28
